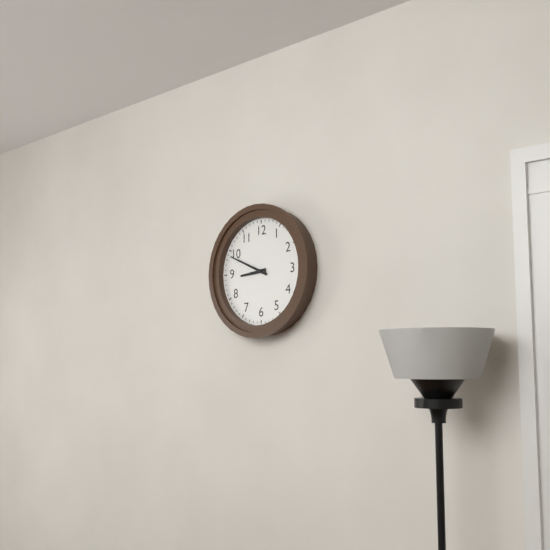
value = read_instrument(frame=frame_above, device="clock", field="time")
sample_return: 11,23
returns 8,49
